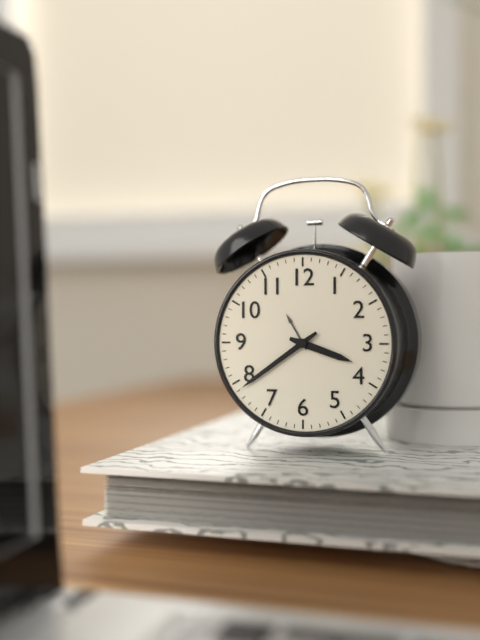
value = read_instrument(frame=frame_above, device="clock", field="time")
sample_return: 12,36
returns 3,39
